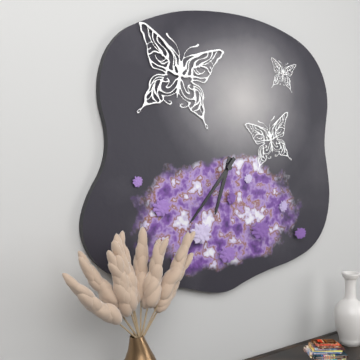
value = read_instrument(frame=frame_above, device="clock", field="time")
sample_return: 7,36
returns 6,37
